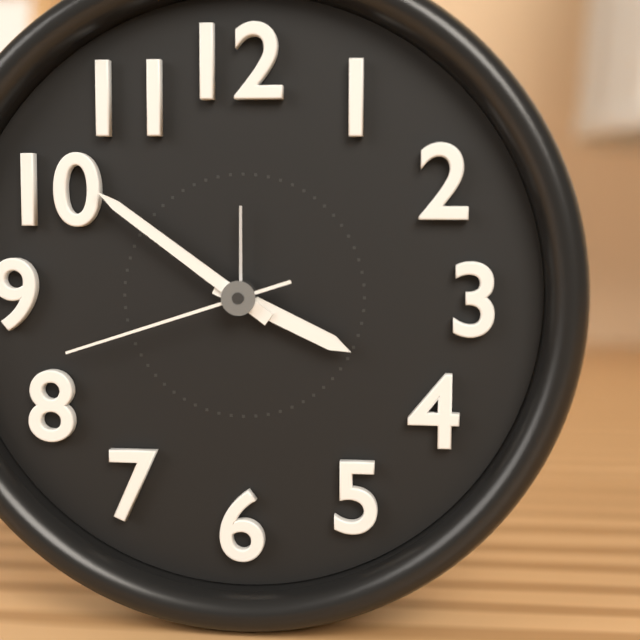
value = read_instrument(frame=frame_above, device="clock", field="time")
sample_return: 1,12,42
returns 3,51,42
